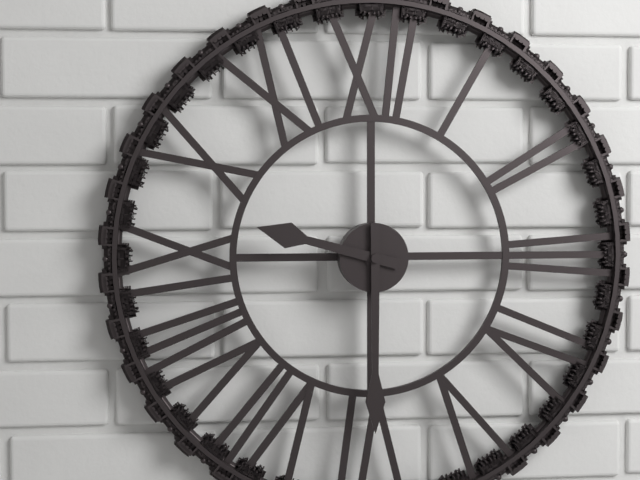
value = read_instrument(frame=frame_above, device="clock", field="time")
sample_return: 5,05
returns 9,30
